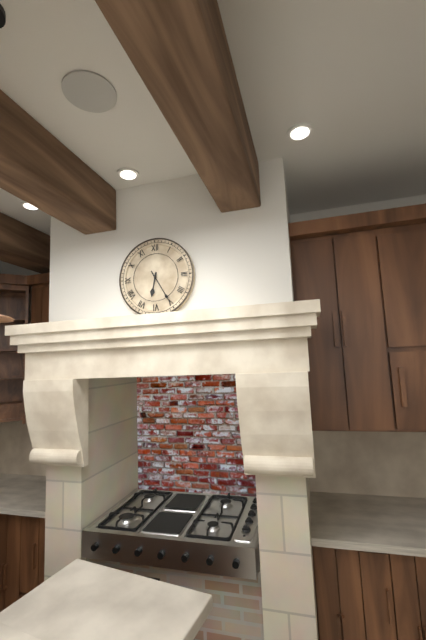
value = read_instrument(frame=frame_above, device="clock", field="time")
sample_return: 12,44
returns 6,25
